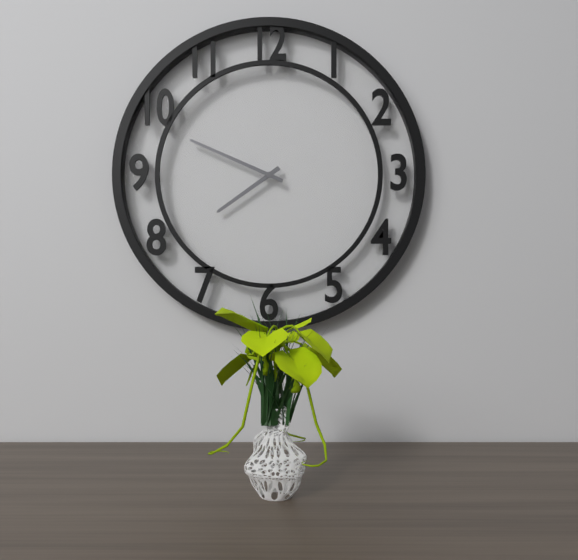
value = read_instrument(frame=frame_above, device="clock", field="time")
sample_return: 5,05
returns 7,49
